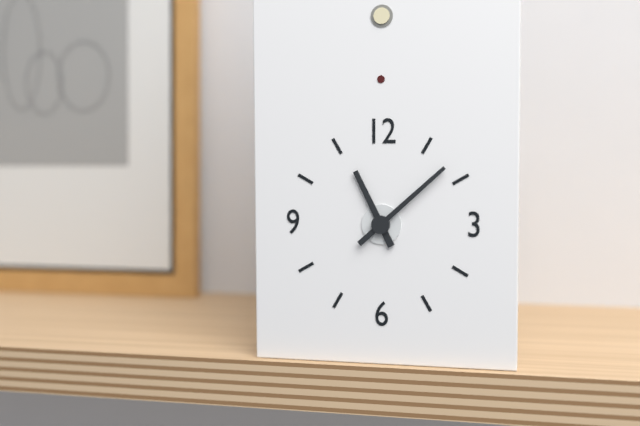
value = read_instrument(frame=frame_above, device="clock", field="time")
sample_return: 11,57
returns 11,08
